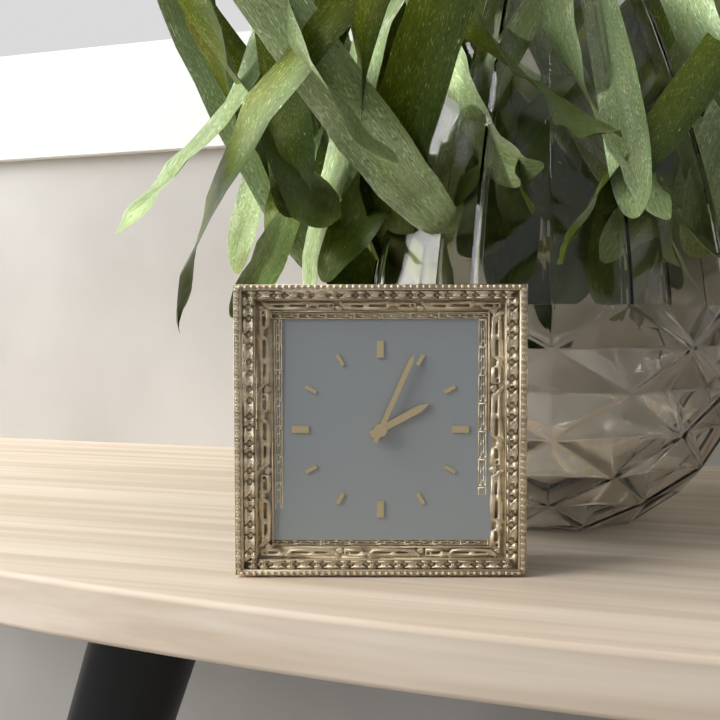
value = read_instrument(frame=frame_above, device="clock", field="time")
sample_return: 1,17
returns 2,04
